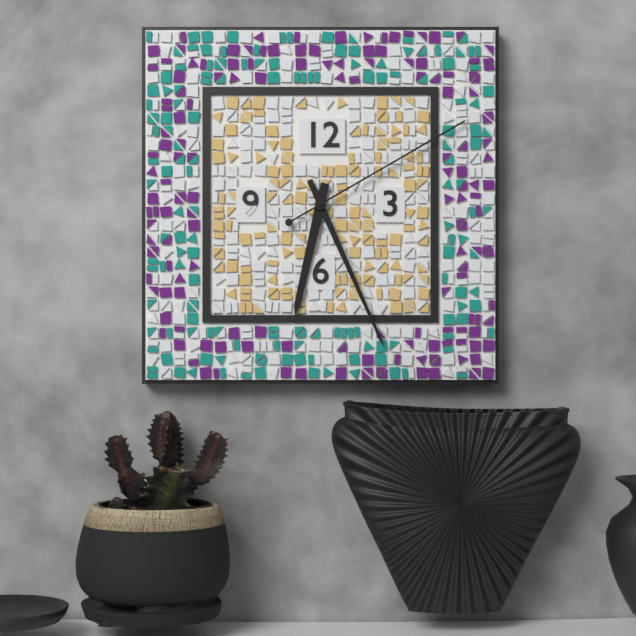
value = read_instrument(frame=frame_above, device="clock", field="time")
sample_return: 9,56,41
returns 6,26,10
